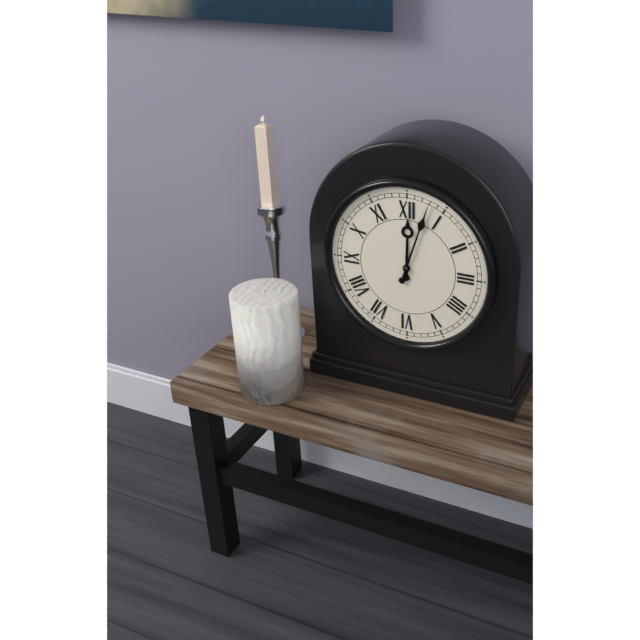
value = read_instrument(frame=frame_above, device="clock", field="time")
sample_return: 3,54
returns 12,03
